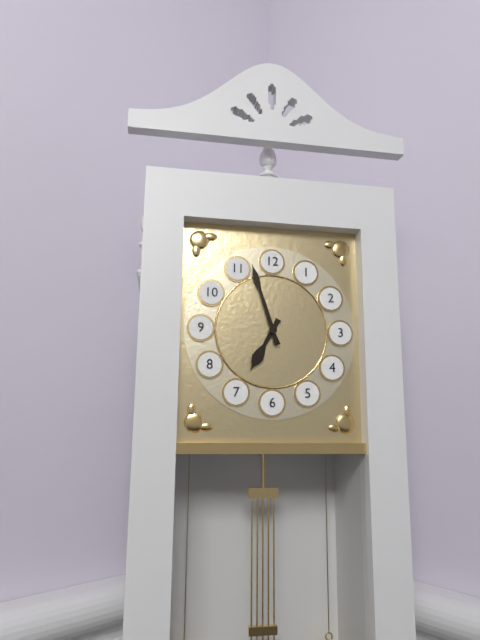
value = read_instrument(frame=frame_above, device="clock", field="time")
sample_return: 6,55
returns 6,57
